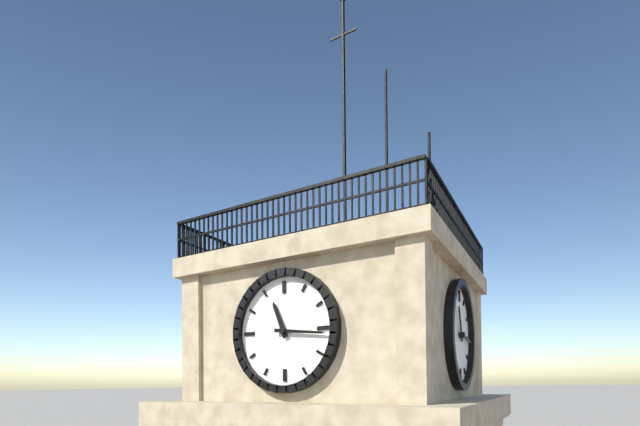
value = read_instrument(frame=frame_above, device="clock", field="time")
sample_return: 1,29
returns 11,16
